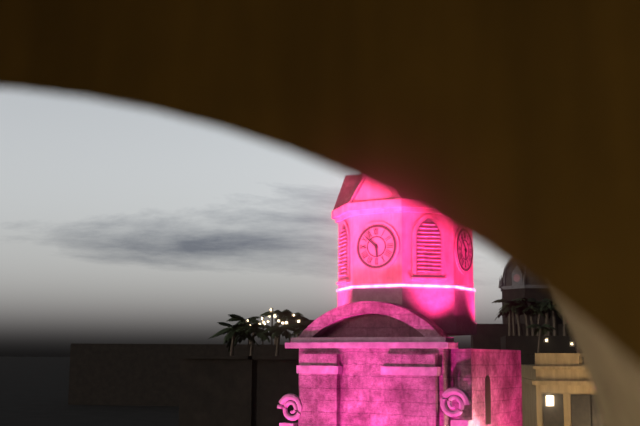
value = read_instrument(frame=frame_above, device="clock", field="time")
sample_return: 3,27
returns 5,52
